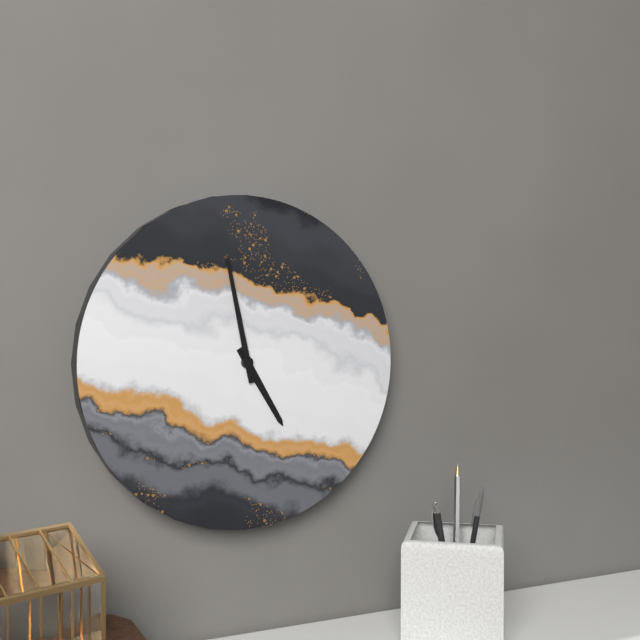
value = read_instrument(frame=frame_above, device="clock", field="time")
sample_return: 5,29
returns 4,58
